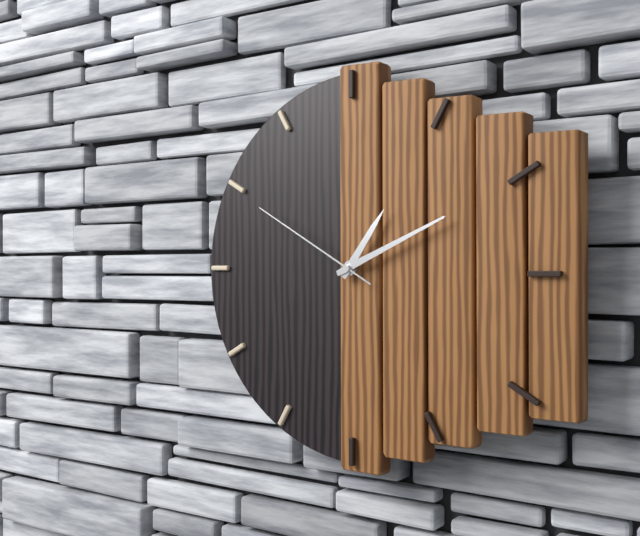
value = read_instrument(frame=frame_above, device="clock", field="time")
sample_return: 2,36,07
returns 1,11,50
